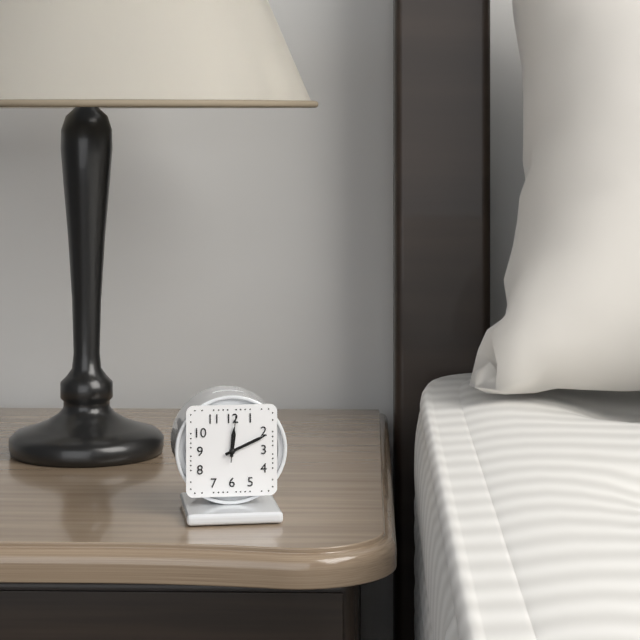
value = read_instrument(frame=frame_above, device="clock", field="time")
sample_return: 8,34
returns 12,11
